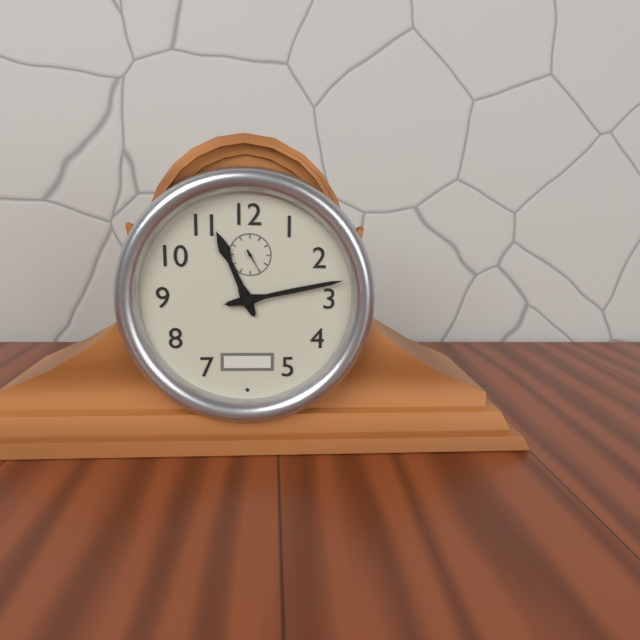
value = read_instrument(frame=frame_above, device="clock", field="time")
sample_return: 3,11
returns 11,13
